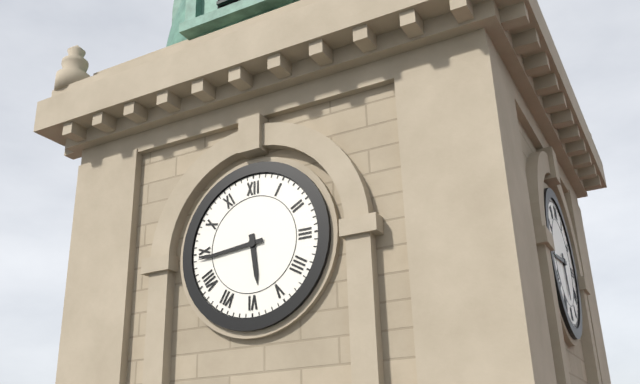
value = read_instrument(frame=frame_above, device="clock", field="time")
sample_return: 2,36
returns 5,44
